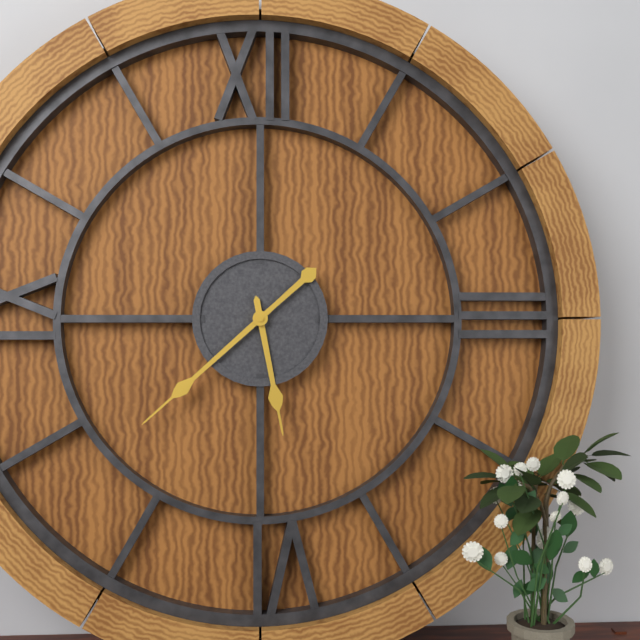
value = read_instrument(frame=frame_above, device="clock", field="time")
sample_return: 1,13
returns 5,38
